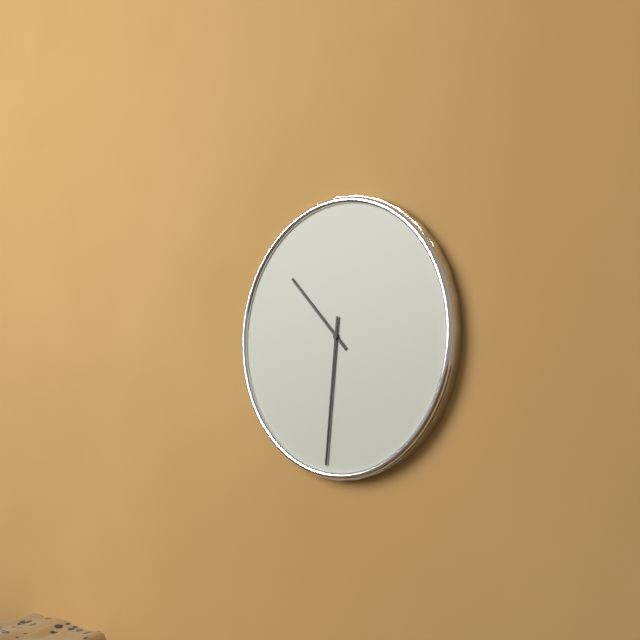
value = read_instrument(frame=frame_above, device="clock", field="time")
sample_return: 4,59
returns 10,31
